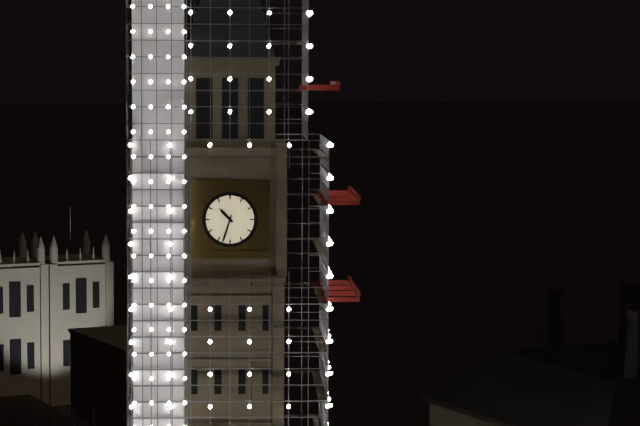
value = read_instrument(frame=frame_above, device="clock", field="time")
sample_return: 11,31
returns 10,33
